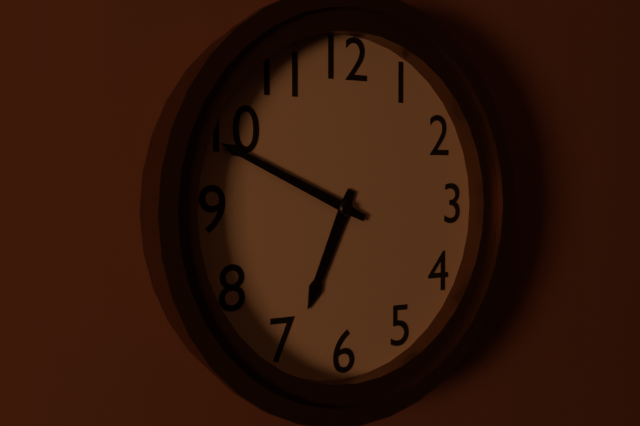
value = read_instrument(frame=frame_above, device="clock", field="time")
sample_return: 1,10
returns 6,49
